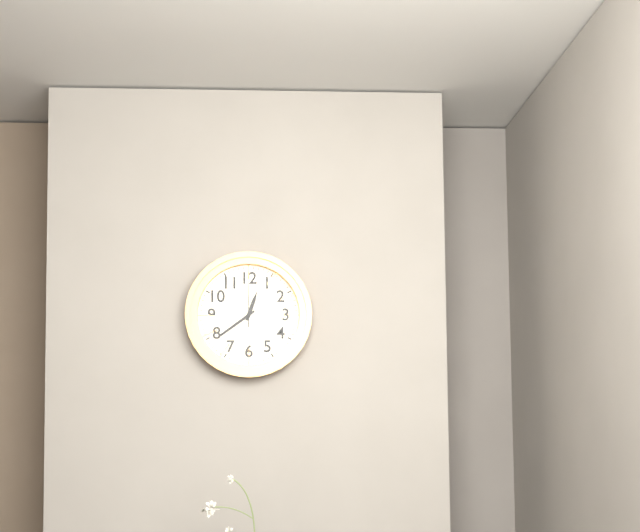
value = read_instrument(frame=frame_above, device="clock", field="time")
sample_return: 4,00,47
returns 12,39,00
